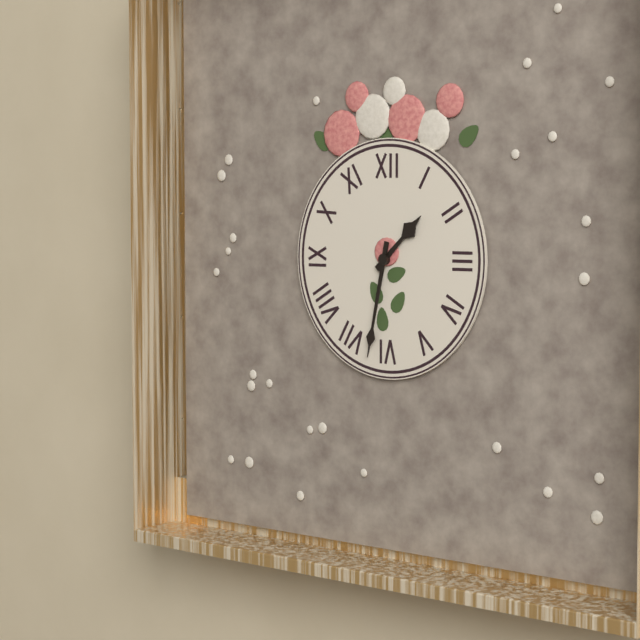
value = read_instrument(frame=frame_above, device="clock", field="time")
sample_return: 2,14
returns 1,32
